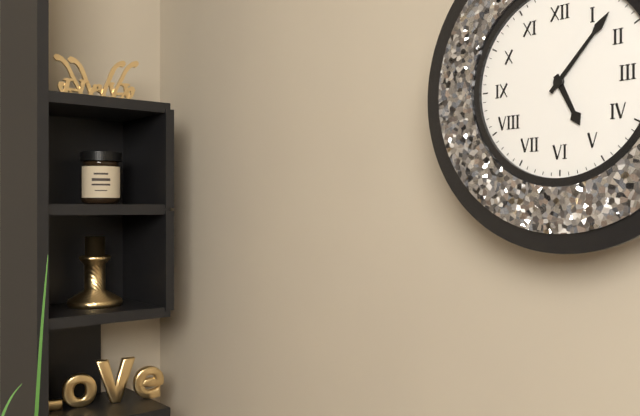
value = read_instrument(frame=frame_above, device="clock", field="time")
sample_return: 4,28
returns 5,07
